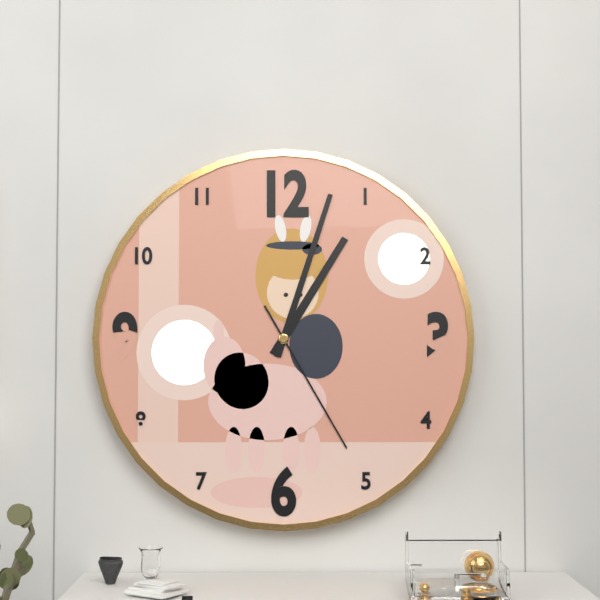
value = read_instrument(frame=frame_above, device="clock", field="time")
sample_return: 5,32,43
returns 1,03,25
